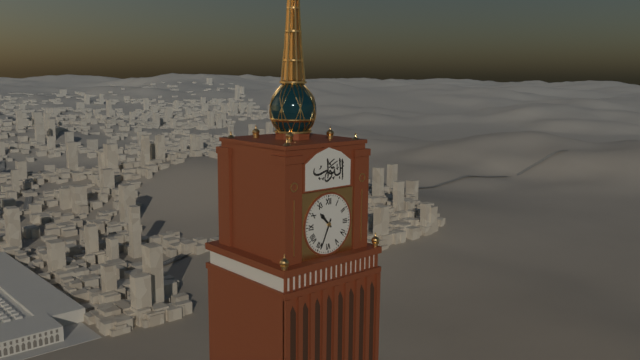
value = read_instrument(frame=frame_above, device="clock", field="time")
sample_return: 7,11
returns 10,34
